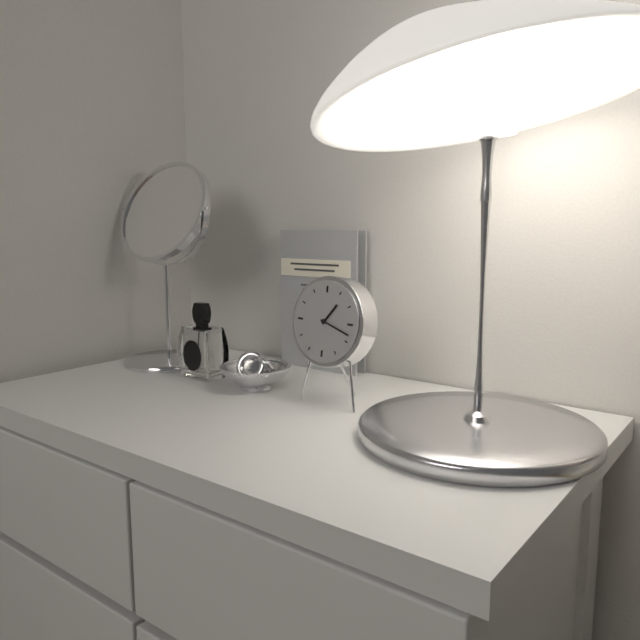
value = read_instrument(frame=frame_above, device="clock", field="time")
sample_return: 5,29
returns 1,18
